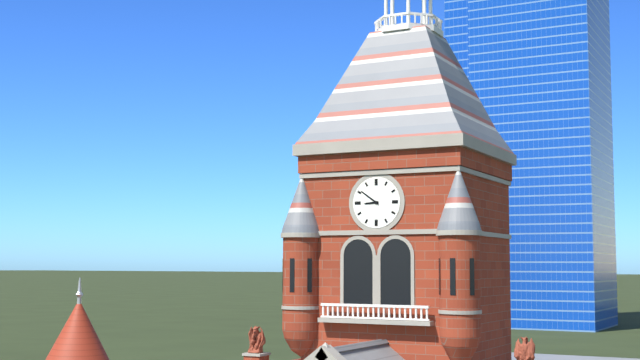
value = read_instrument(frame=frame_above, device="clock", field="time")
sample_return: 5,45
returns 8,51
